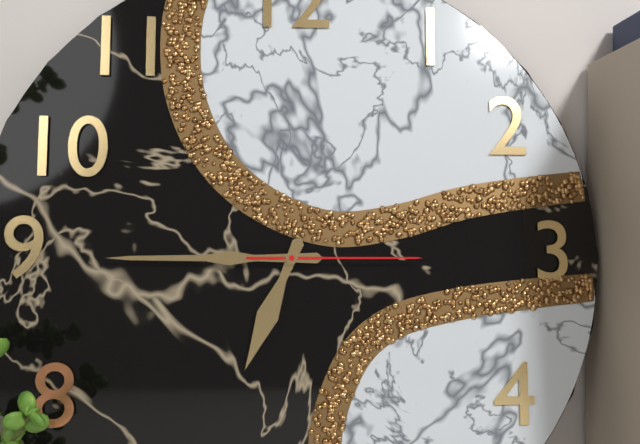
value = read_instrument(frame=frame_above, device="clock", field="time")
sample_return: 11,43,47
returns 6,45,15
